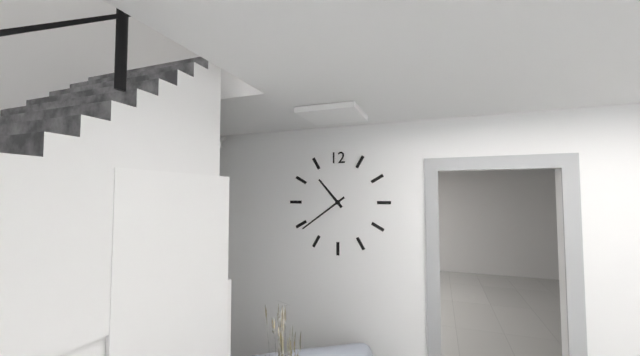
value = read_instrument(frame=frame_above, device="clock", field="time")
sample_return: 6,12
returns 10,39
